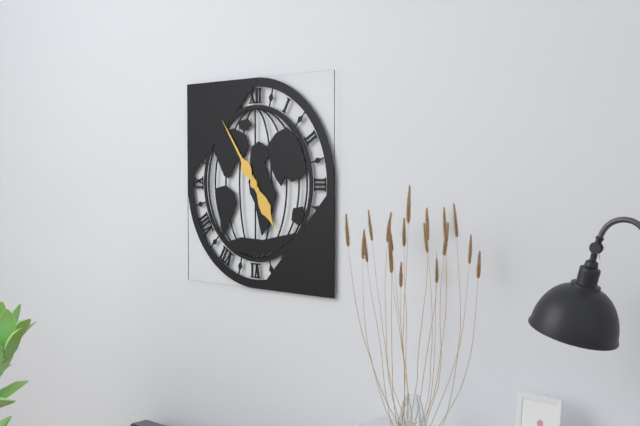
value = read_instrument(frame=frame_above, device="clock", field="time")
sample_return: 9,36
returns 4,54
